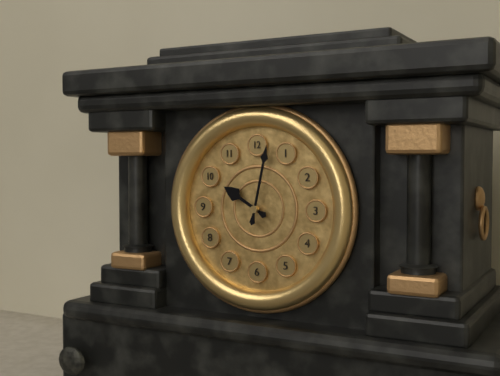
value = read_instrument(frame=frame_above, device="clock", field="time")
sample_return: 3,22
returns 10,02
